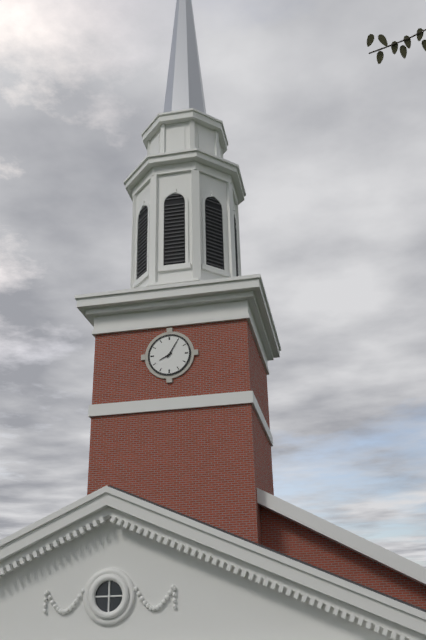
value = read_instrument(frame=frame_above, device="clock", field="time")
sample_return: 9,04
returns 8,05
